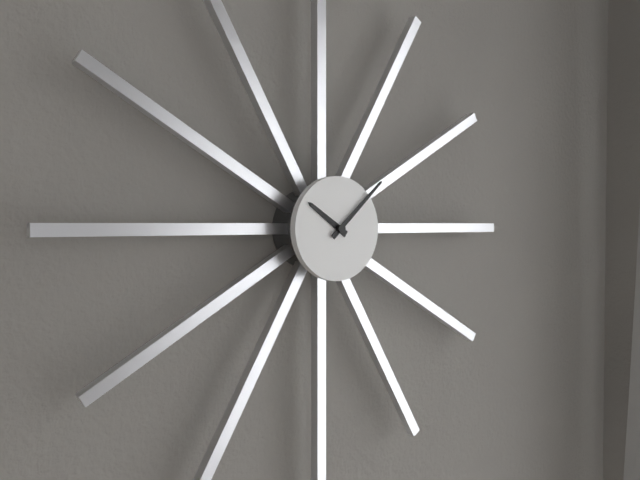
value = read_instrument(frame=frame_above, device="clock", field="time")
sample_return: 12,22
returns 10,08
